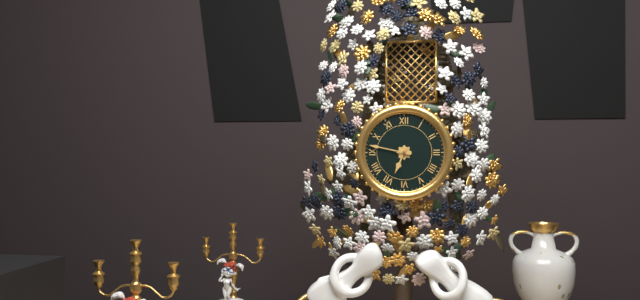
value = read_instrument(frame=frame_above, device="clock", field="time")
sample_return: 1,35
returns 6,47
